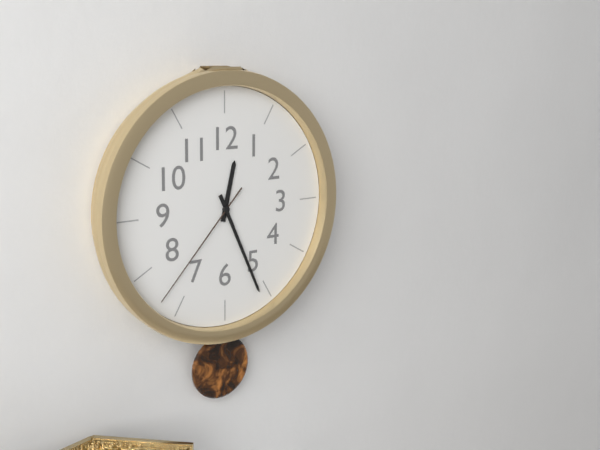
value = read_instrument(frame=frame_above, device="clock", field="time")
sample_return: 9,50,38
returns 12,26,37
